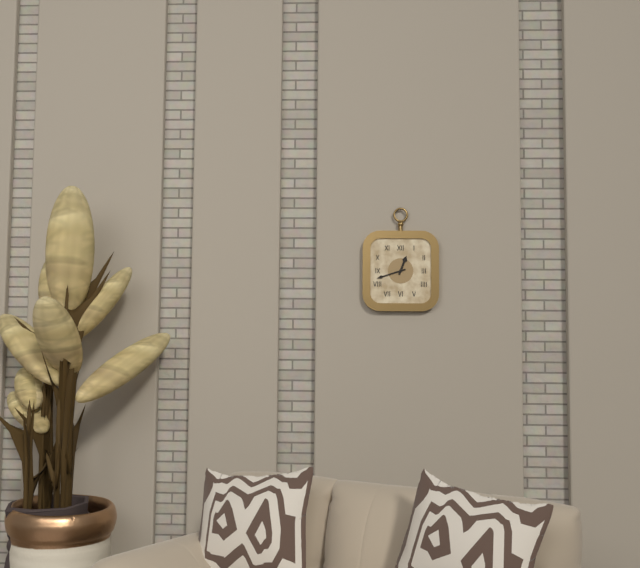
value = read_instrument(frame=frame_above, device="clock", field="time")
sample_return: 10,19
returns 12,42
